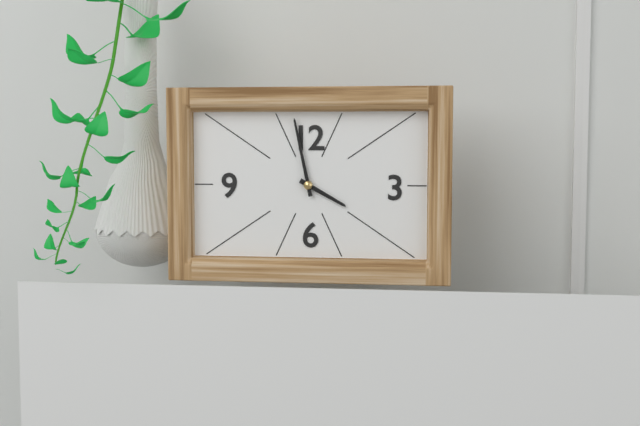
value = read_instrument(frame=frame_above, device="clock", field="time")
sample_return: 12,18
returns 3,58
